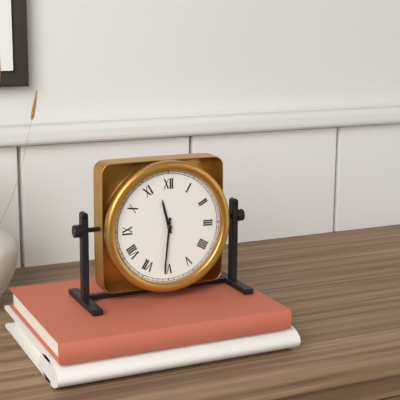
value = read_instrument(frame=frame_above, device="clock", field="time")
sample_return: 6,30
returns 11,31
